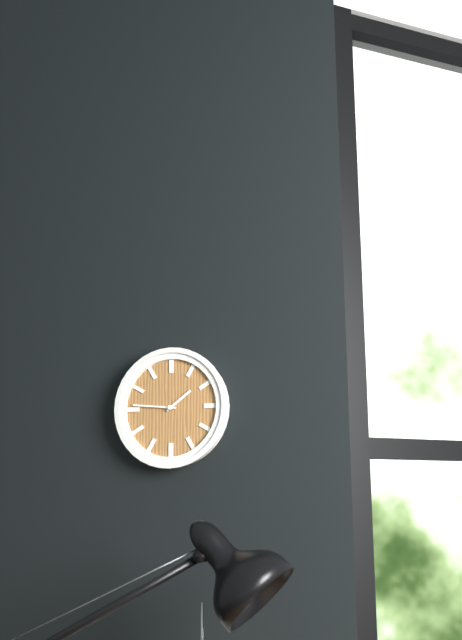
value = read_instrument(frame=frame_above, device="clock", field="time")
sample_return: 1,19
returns 1,46
